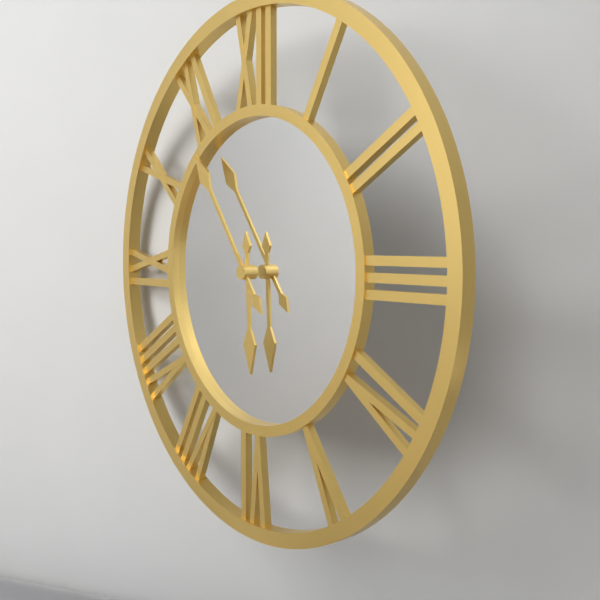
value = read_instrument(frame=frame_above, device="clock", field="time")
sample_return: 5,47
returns 5,54
